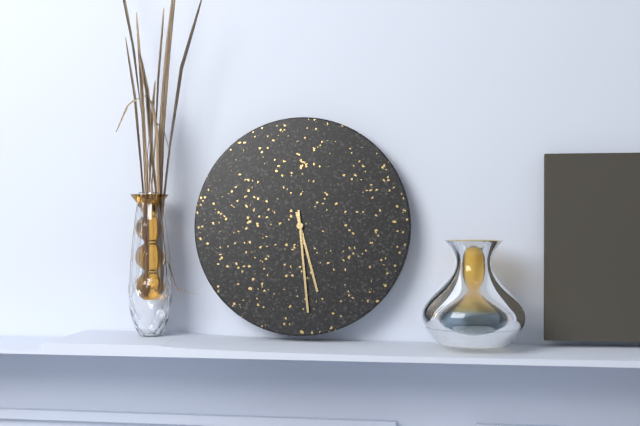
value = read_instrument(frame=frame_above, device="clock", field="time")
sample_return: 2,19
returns 5,29
